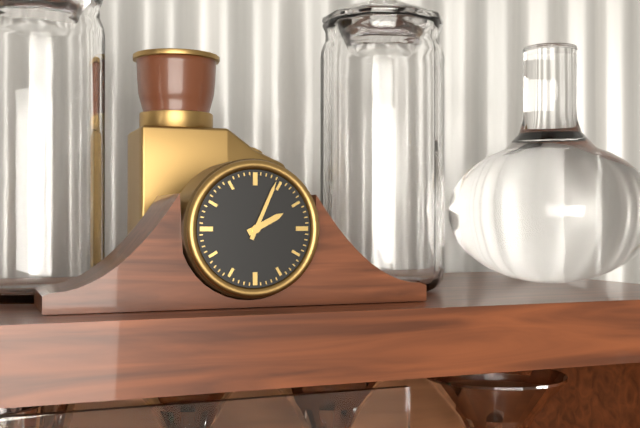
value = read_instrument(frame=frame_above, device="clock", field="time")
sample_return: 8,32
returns 2,04
